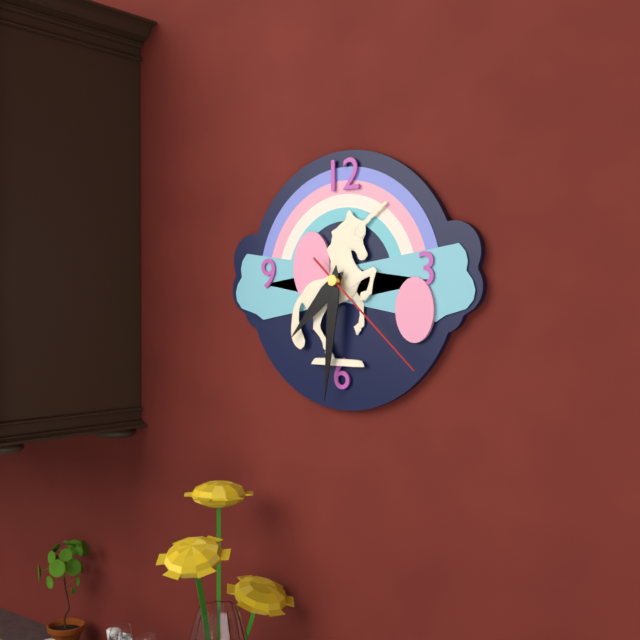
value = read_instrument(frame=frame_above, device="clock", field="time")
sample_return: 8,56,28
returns 7,31,22
